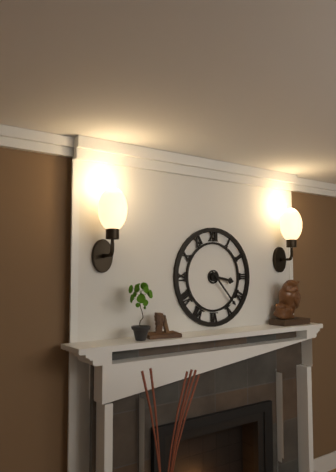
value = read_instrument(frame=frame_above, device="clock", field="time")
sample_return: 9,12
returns 3,23
